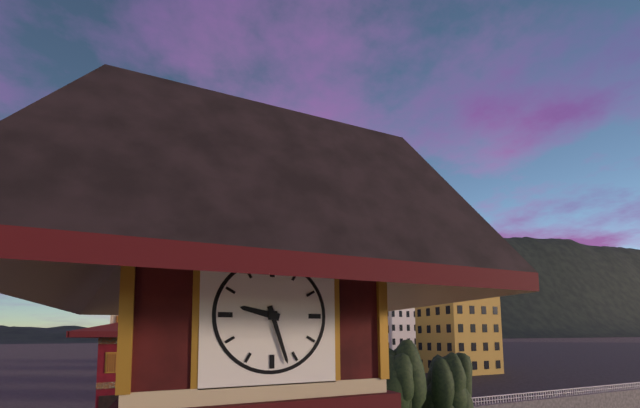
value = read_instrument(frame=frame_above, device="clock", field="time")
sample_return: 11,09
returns 9,27
